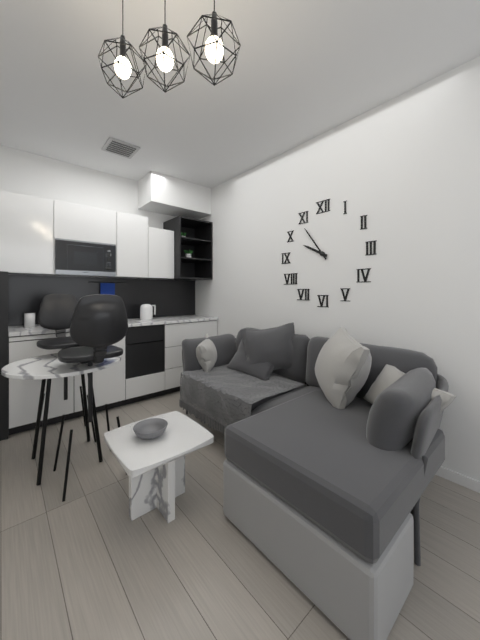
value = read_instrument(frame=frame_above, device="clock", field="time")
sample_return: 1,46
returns 9,54
